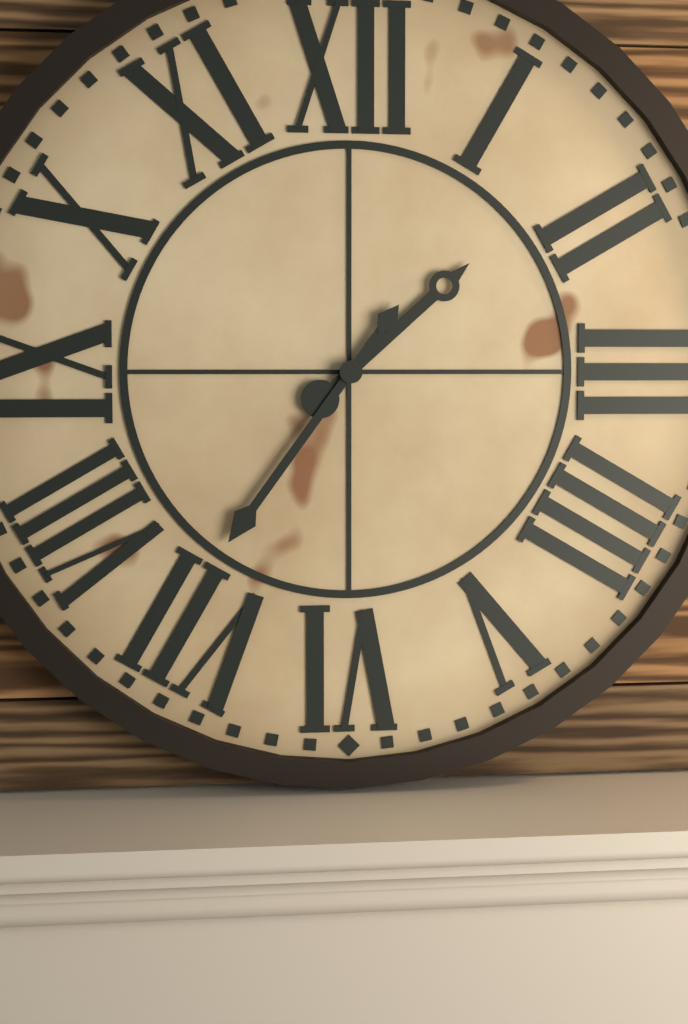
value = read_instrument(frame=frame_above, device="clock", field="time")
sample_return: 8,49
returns 1,36
